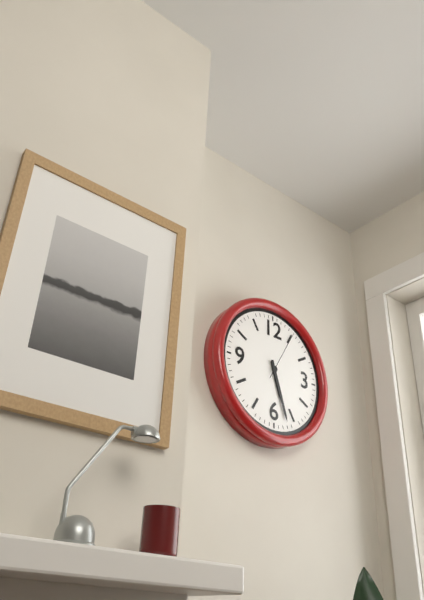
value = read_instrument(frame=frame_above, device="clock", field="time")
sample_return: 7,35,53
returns 5,27,05
